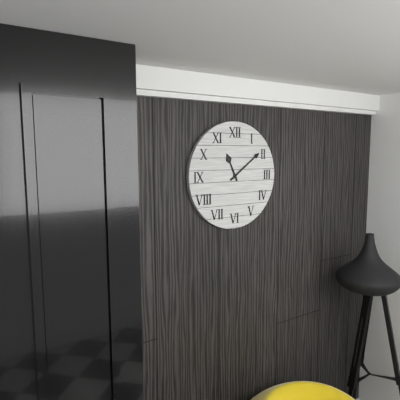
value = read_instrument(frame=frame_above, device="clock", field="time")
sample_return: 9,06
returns 11,09
